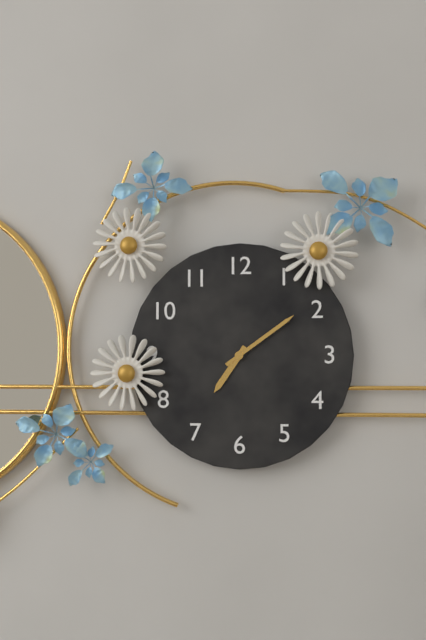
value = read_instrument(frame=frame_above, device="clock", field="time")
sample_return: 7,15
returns 7,09
